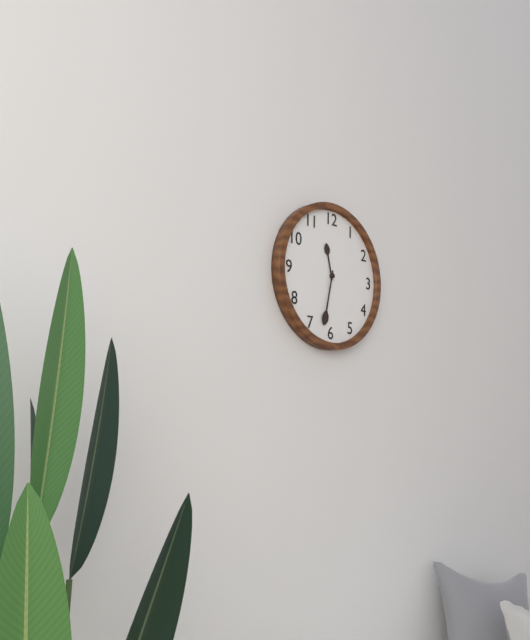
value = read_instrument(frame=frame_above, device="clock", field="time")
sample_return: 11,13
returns 11,32
